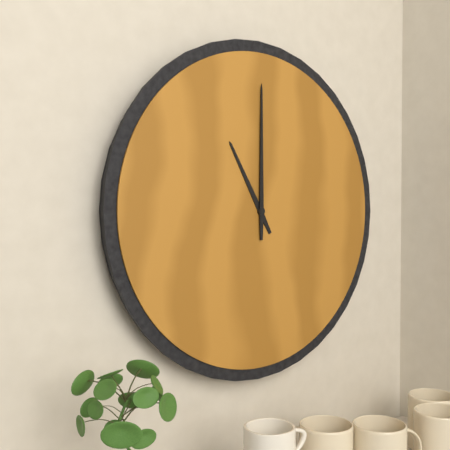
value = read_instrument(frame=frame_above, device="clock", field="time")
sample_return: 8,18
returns 11,00
